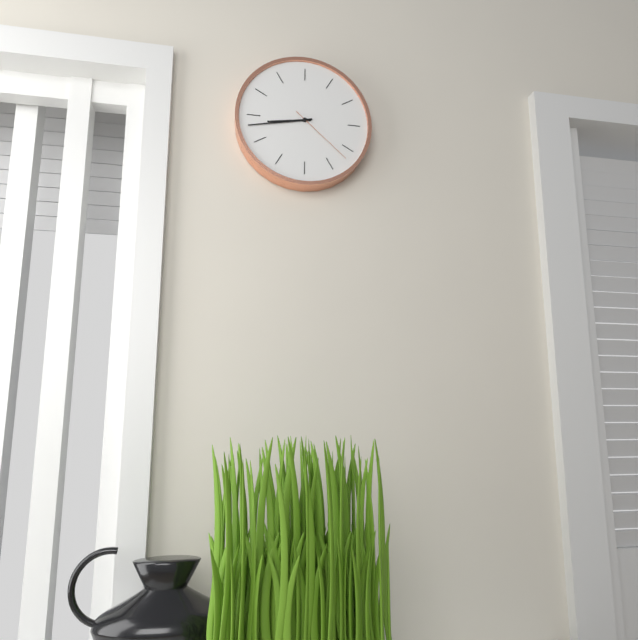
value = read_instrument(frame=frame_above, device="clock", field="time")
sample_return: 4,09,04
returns 8,43,22
